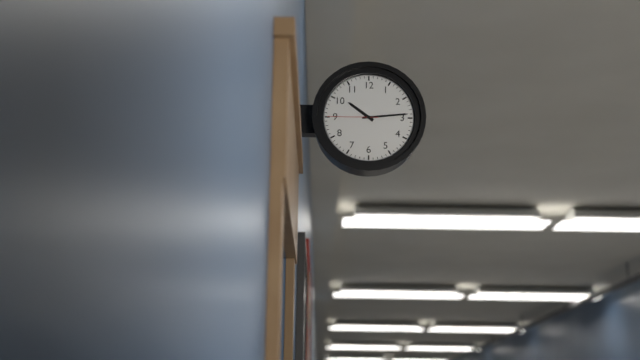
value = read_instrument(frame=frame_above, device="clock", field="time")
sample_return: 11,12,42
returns 10,14,45
